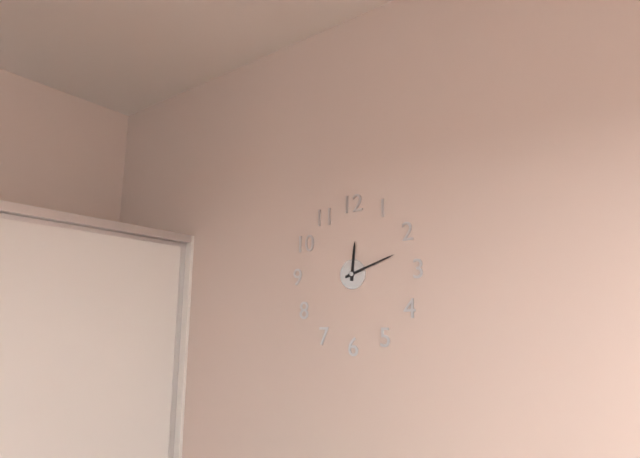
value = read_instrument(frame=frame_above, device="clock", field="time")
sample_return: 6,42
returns 12,12
